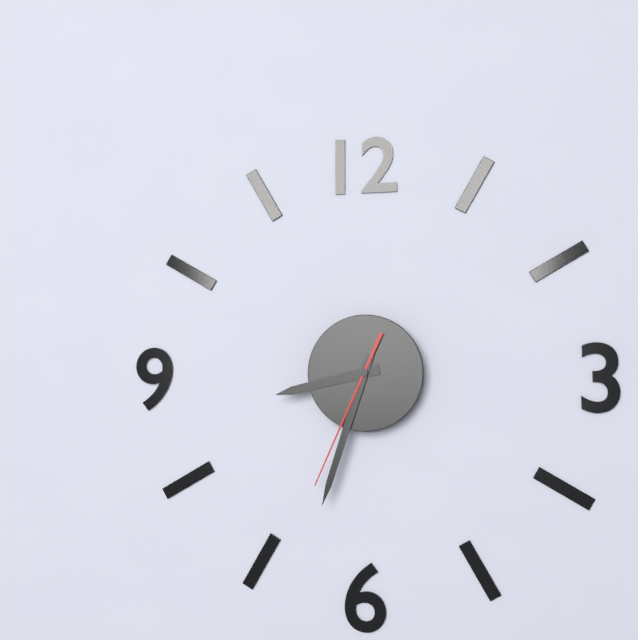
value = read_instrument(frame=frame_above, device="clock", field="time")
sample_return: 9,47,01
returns 8,33,34
